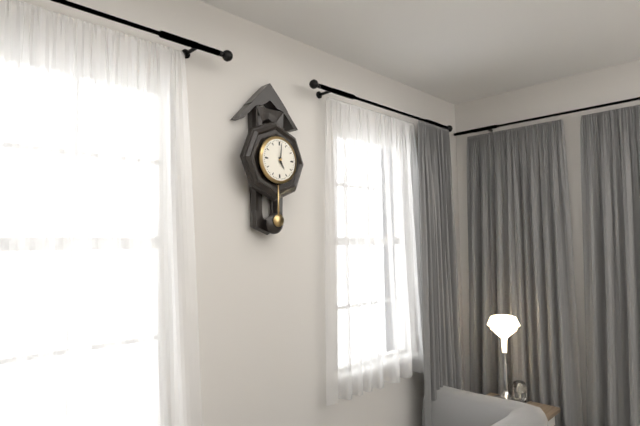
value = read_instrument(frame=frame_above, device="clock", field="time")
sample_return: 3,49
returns 5,01
